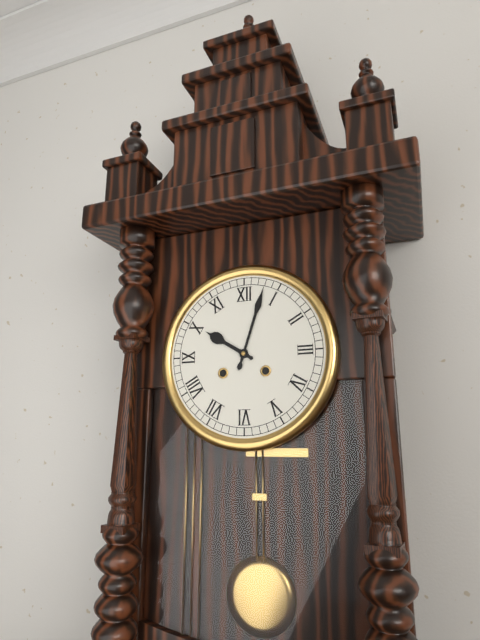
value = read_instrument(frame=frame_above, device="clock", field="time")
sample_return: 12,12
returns 10,03
